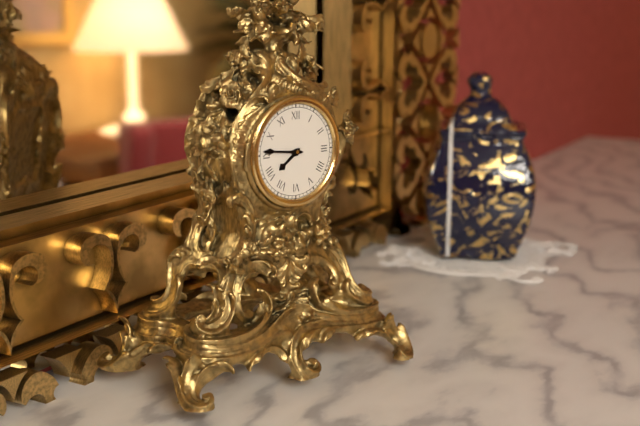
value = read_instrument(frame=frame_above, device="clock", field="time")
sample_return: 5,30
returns 7,46
